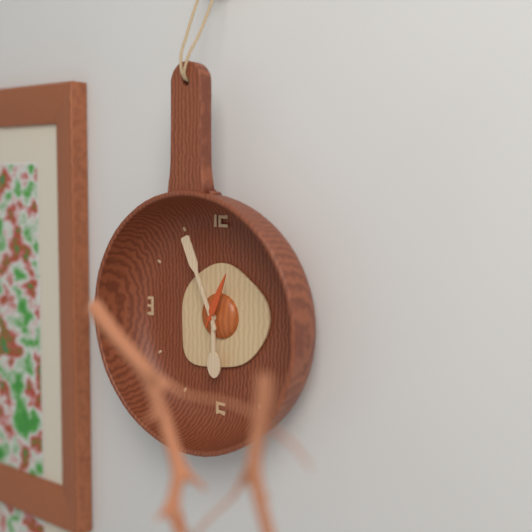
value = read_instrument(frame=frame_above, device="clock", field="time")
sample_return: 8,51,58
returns 5,56,04
